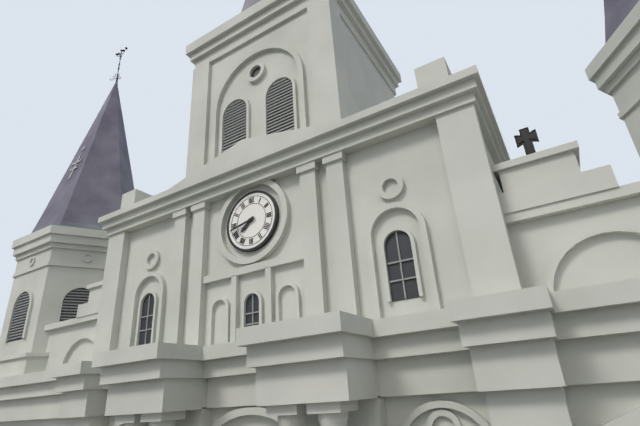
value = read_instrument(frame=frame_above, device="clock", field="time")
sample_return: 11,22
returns 7,43
